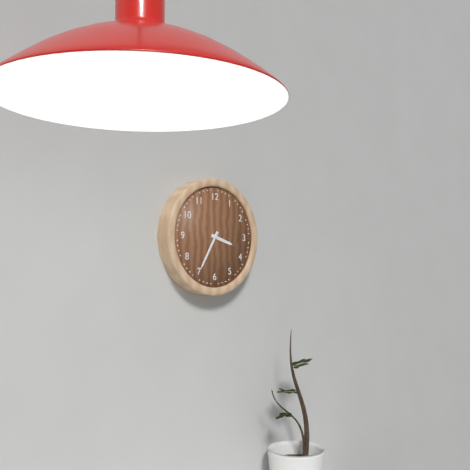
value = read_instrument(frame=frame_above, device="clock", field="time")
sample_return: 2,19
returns 3,35
